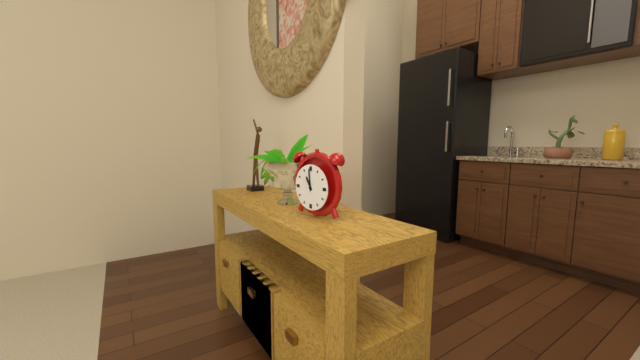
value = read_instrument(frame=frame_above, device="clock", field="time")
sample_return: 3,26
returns 10,59
